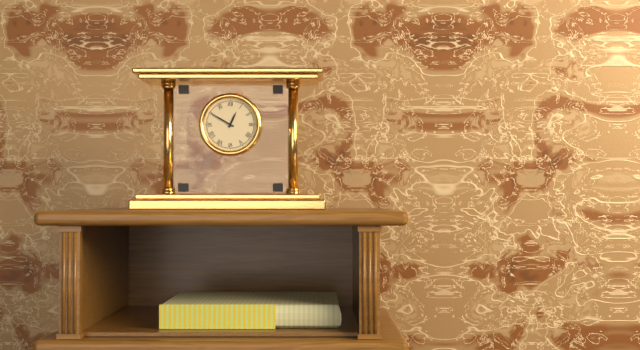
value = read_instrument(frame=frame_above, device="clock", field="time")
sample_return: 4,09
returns 12,50
